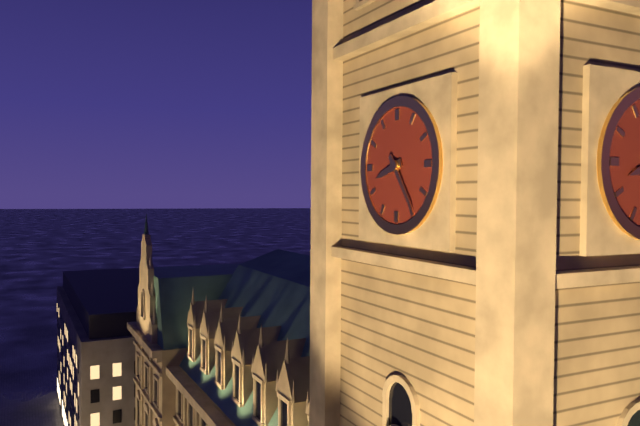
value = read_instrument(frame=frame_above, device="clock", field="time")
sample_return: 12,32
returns 8,24
